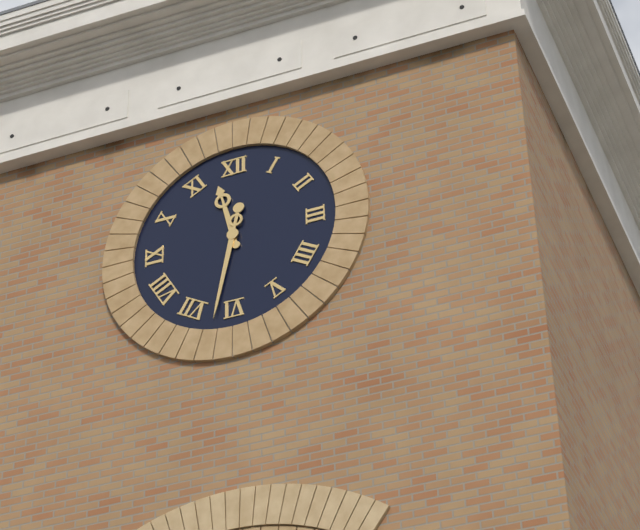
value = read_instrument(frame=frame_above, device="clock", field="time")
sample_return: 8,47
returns 11,32
